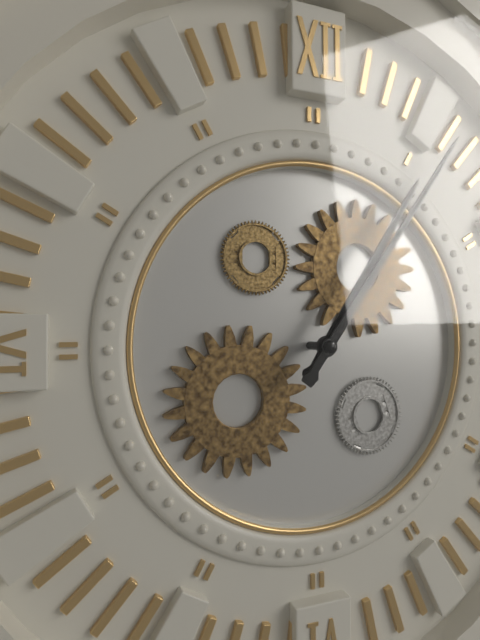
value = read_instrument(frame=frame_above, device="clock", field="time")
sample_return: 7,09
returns 1,06
